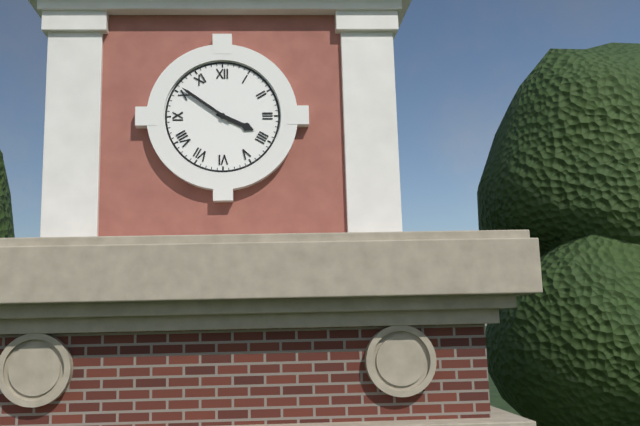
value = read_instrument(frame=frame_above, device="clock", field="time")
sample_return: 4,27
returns 3,51
